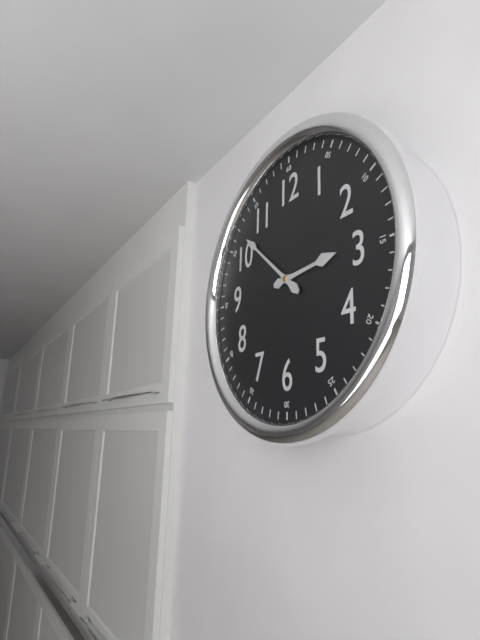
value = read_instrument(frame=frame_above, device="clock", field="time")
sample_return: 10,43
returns 2,52
